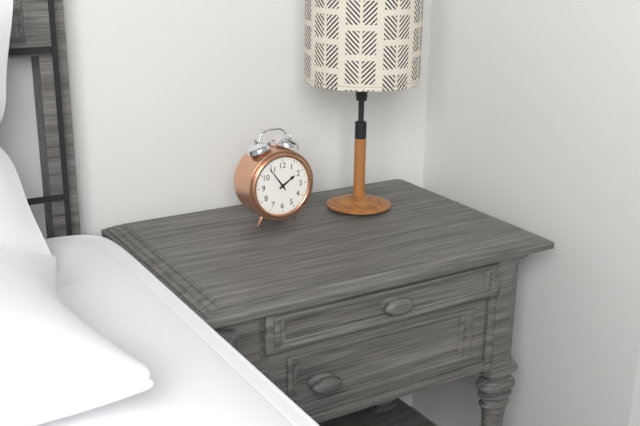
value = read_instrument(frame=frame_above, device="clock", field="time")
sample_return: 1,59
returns 1,54
